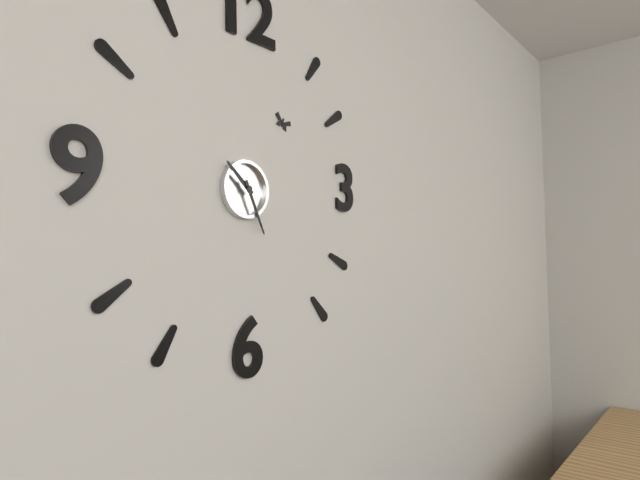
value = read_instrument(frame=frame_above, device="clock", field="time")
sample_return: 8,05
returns 10,26
